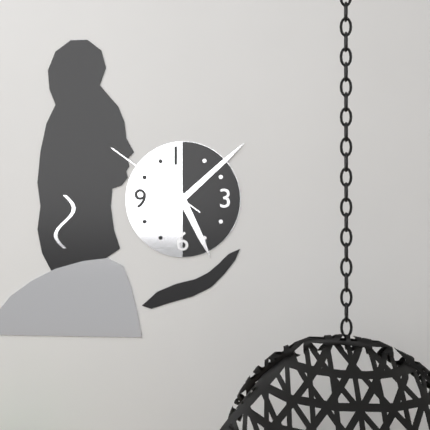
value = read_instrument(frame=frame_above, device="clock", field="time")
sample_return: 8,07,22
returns 5,08,51
